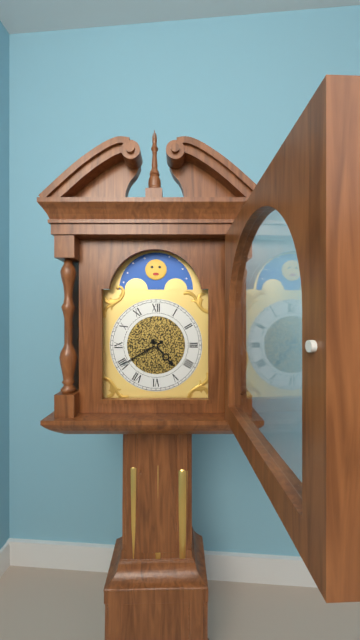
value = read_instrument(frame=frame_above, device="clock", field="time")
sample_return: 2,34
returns 4,40
